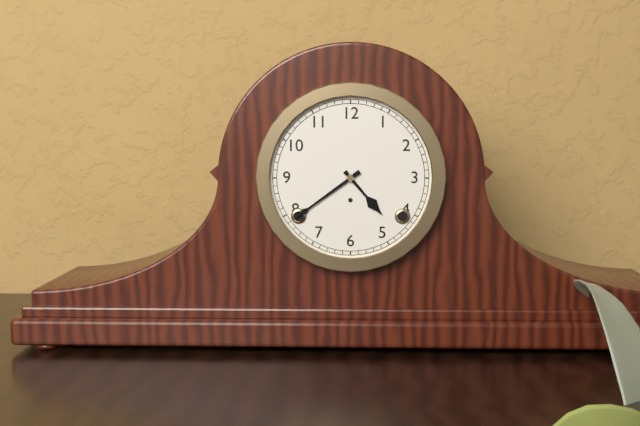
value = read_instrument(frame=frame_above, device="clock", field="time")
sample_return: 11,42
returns 4,39
